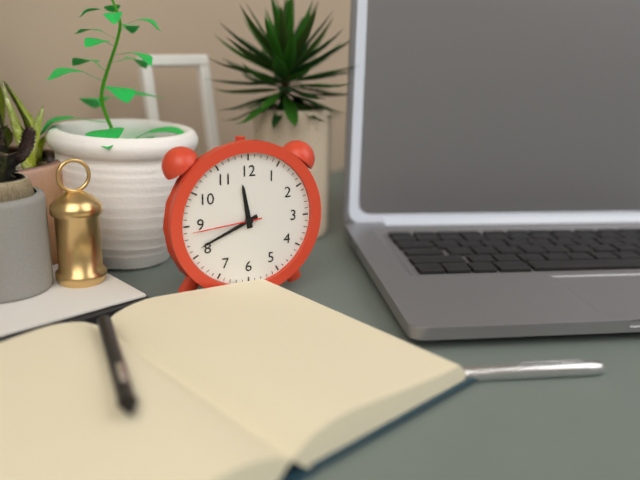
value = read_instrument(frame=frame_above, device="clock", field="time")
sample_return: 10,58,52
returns 11,41,44
